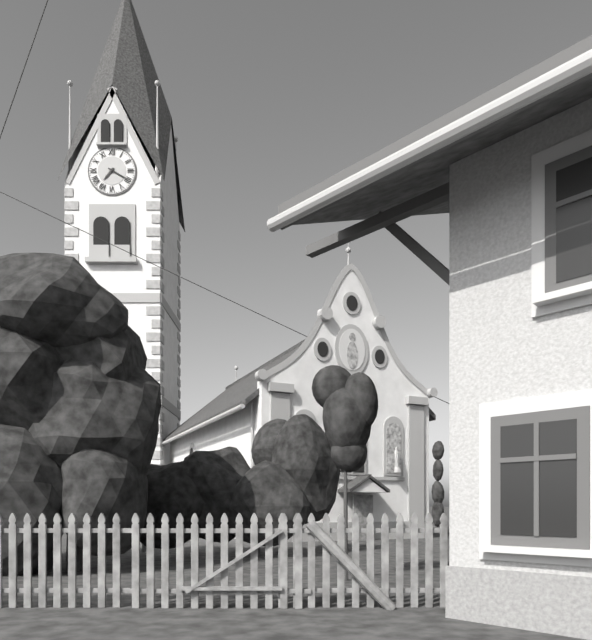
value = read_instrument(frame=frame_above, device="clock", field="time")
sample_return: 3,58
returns 7,20
